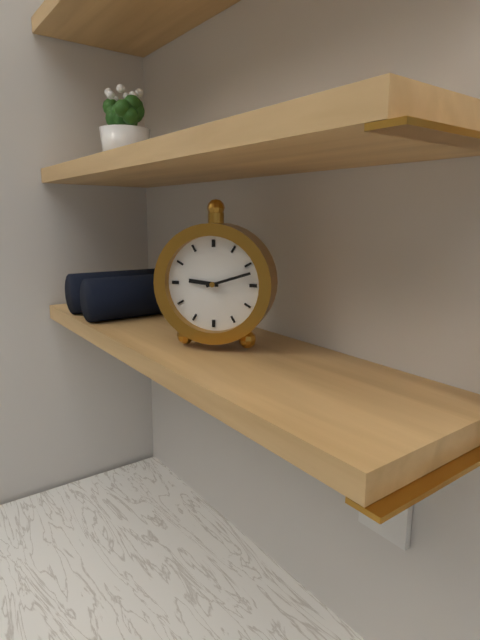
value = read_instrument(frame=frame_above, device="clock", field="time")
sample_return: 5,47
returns 9,12
